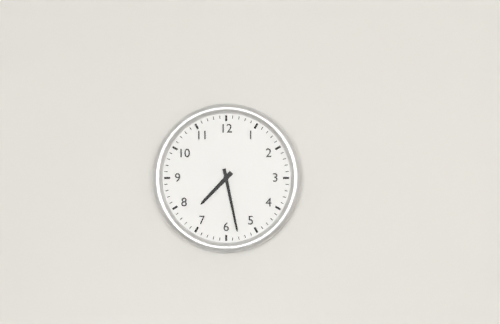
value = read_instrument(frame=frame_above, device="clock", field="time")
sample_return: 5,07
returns 7,28
